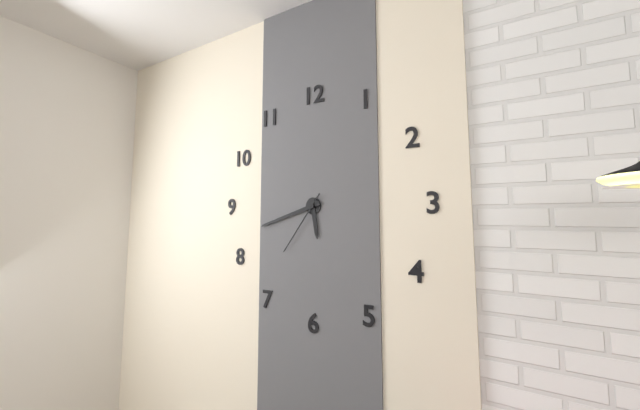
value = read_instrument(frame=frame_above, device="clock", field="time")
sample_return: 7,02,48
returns 5,42,36
